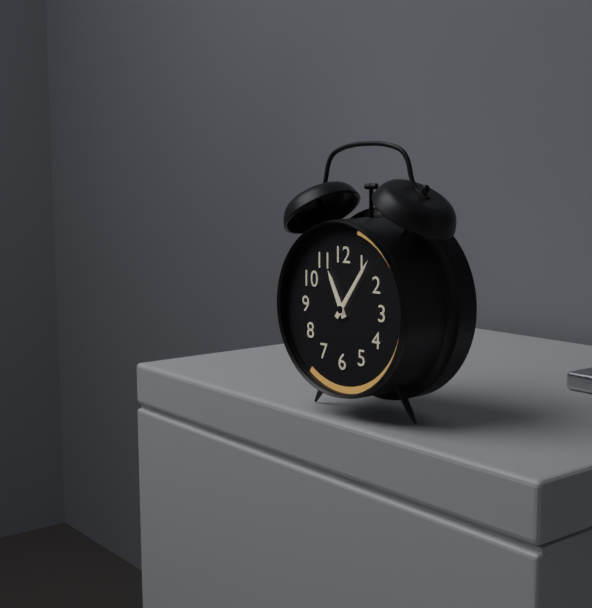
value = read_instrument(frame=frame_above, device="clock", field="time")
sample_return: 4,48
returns 11,06
